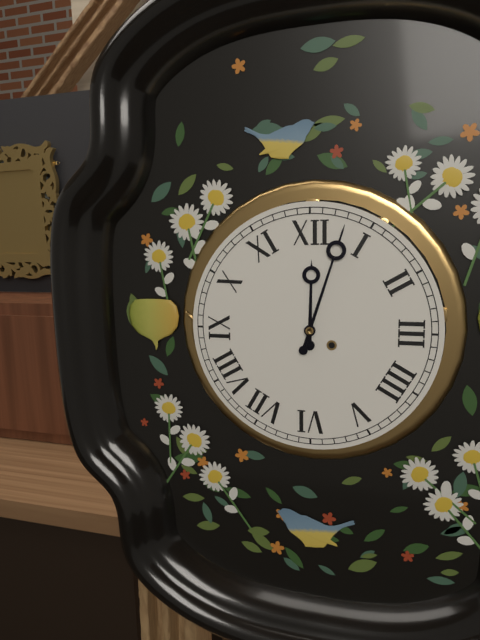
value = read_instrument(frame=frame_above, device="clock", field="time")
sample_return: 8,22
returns 12,03
